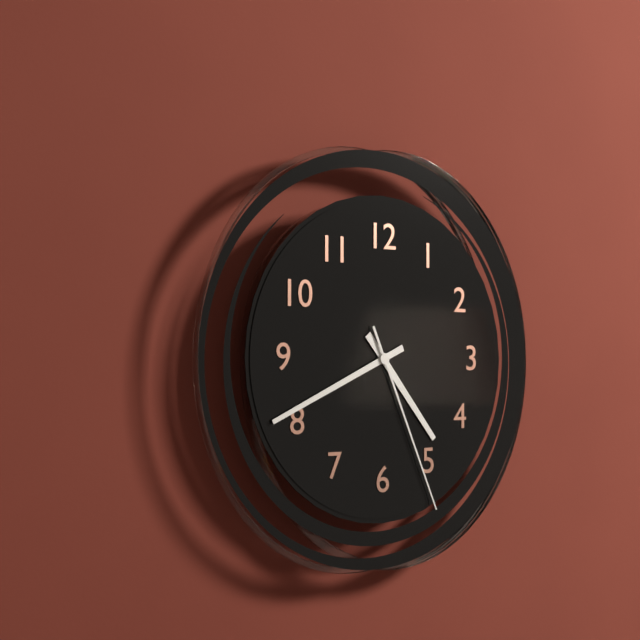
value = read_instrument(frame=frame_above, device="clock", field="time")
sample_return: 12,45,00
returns 4,41,26
